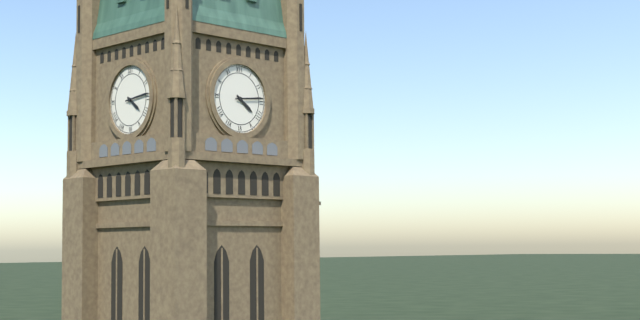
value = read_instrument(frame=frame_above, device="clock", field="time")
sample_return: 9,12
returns 4,14
